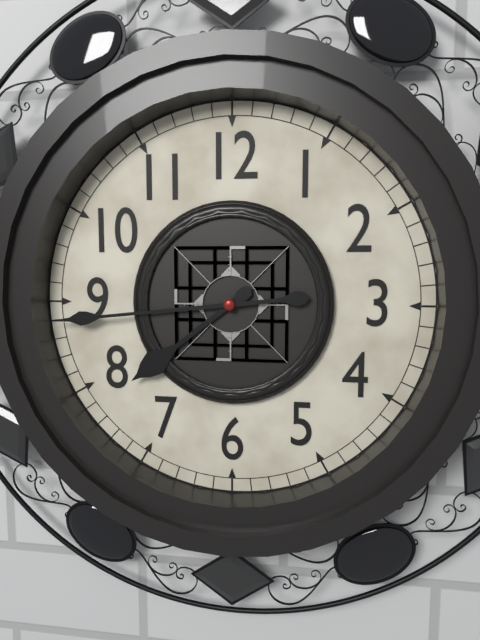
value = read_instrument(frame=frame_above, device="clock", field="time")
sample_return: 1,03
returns 7,44
